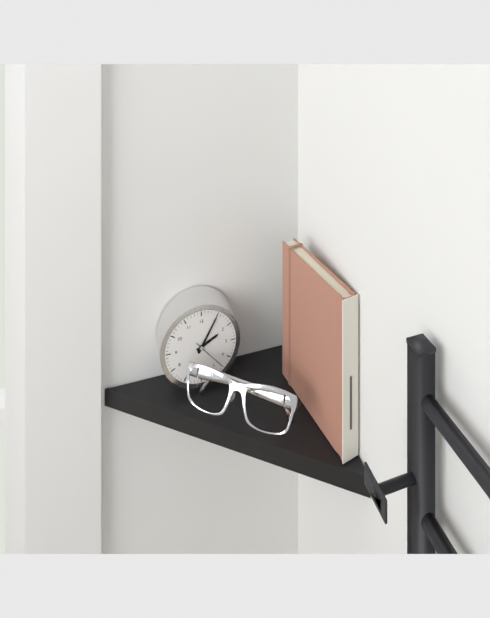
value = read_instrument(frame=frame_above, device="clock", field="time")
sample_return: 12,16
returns 2,05
